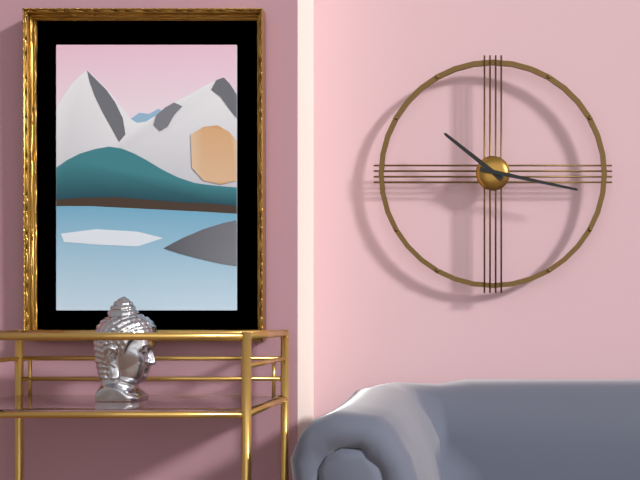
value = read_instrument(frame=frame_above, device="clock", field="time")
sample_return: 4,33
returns 10,17
